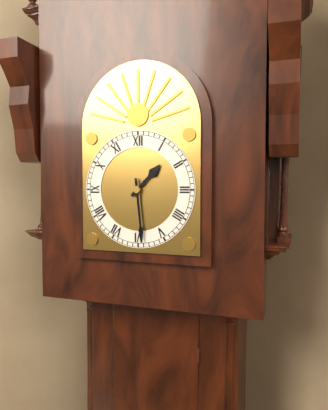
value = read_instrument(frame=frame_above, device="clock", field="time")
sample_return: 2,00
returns 1,29
